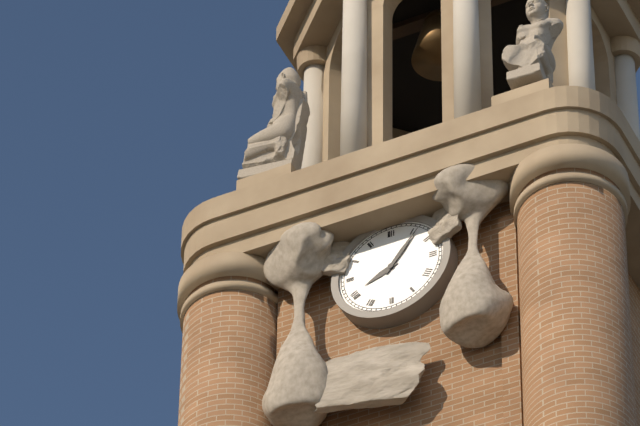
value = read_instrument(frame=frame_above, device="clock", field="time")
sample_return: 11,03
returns 8,06
